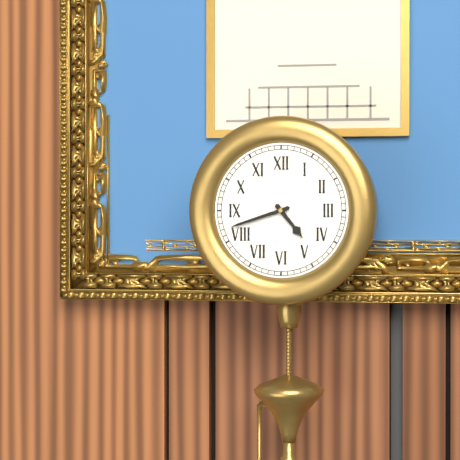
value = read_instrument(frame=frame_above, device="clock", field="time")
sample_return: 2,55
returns 4,42
